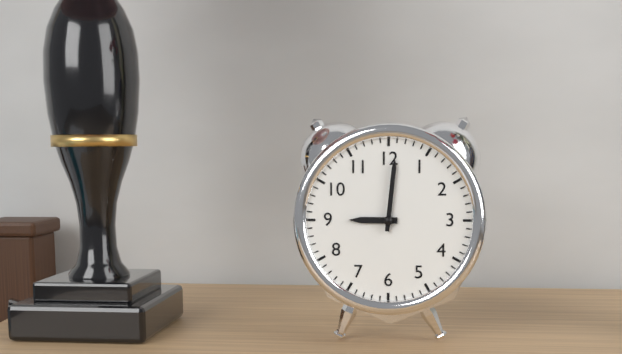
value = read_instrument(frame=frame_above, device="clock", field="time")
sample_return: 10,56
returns 9,01
